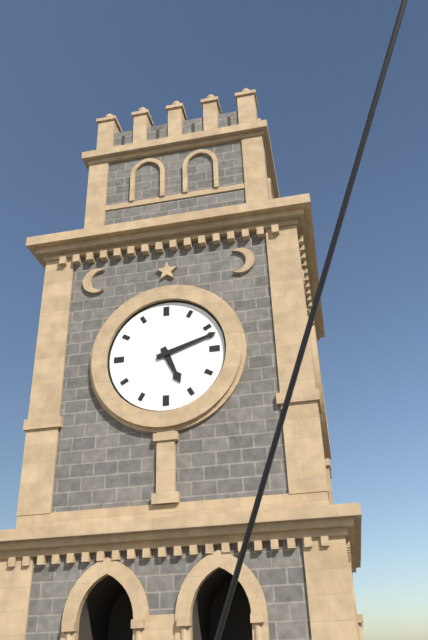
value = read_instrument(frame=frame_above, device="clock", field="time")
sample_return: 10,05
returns 5,12
